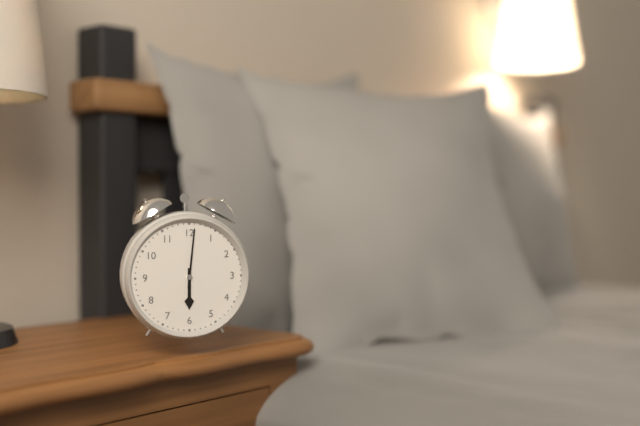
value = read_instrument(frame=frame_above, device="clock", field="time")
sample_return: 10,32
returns 6,01
